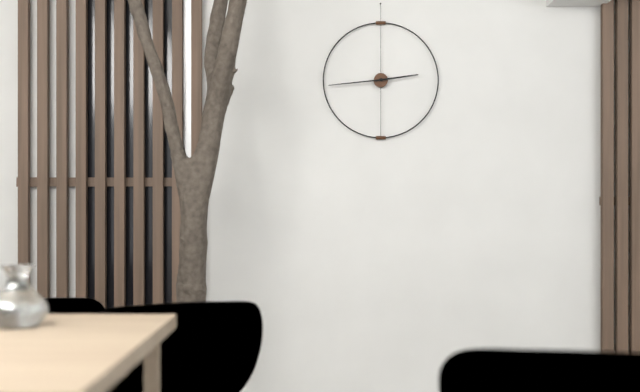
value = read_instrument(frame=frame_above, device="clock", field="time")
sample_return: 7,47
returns 2,44
